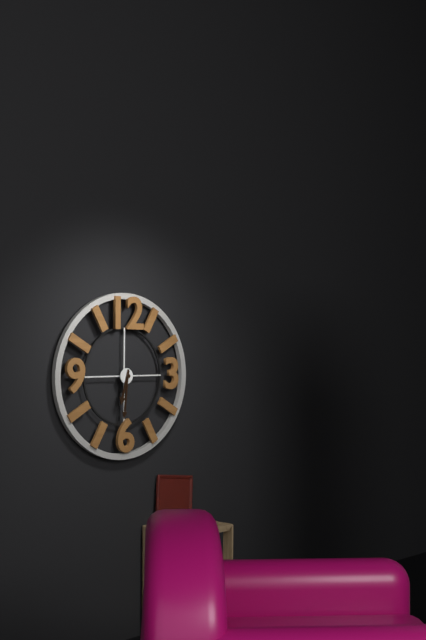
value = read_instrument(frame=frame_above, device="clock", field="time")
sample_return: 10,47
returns 6,31
